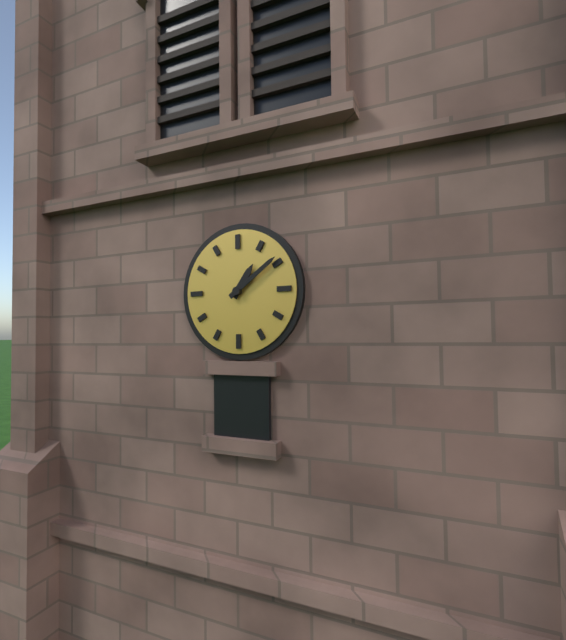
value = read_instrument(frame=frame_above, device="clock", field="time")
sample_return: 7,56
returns 1,09
